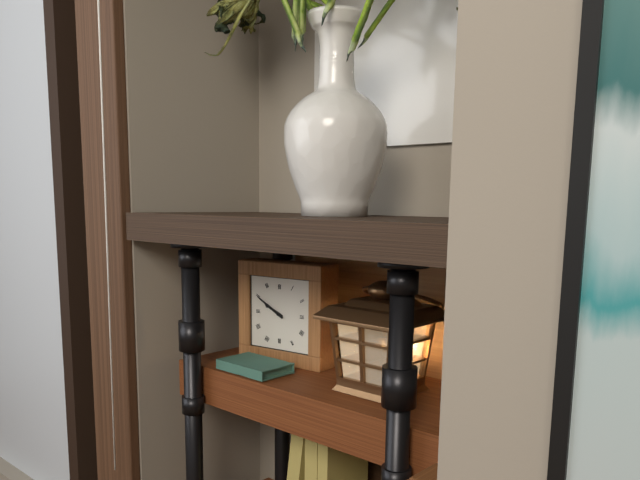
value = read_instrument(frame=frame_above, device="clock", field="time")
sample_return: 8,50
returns 9,50
